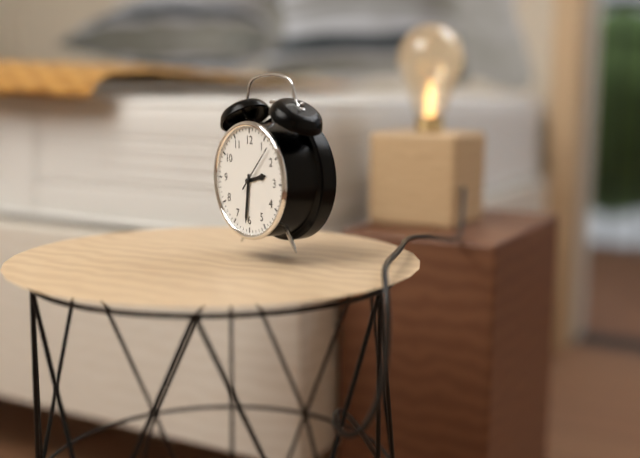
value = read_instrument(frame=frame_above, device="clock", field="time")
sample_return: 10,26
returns 2,31
